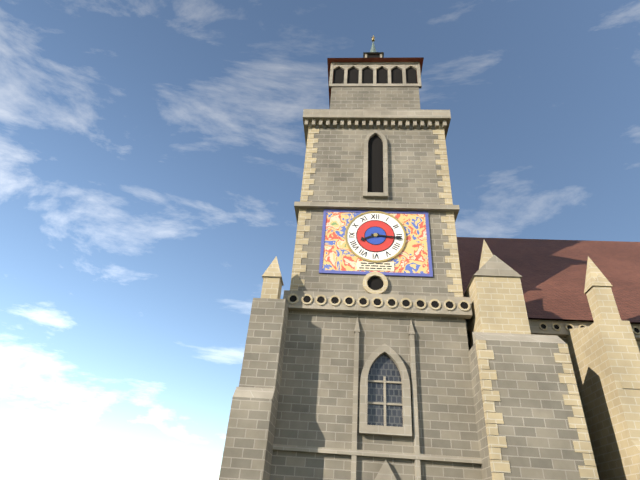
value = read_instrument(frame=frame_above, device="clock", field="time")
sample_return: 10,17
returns 8,16
